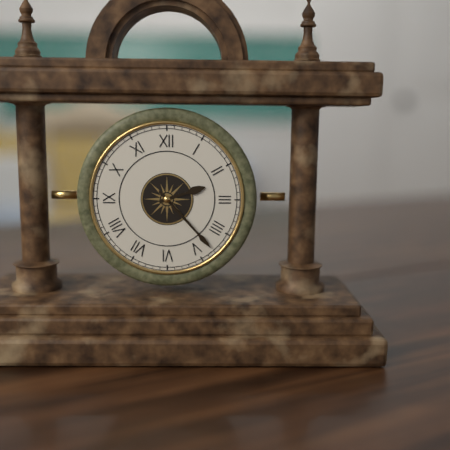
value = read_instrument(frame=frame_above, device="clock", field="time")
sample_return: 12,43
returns 2,23
